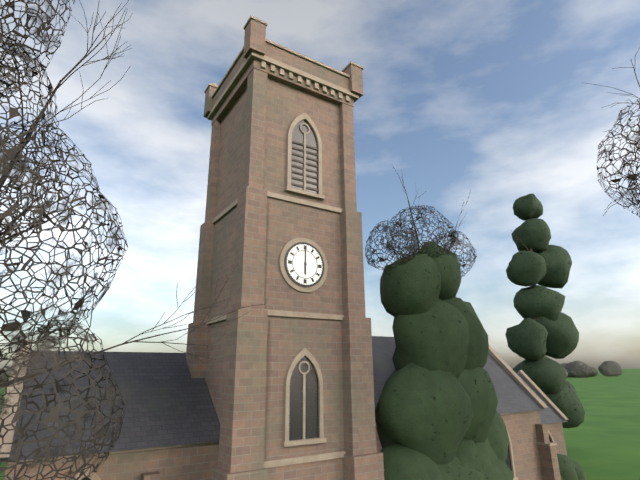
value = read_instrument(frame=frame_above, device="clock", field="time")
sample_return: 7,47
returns 6,00
